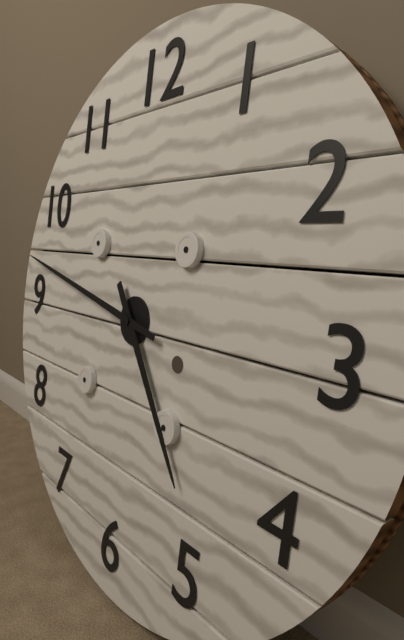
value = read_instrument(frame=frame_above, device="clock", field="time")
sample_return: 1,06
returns 4,47
